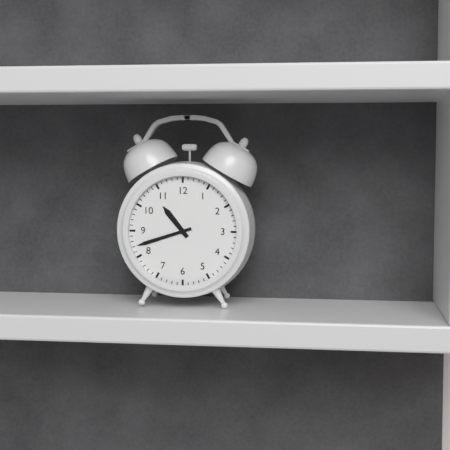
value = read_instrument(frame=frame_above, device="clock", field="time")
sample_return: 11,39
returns 10,42
